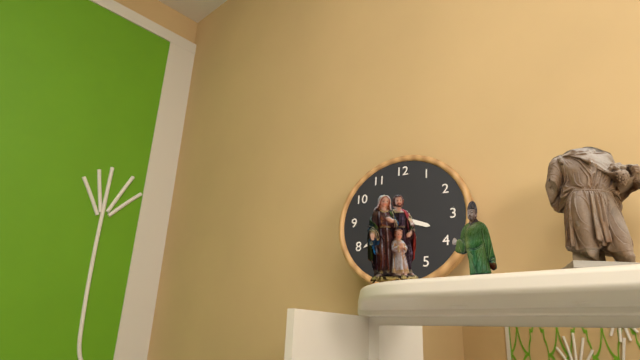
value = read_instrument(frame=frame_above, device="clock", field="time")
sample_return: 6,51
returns 3,39
